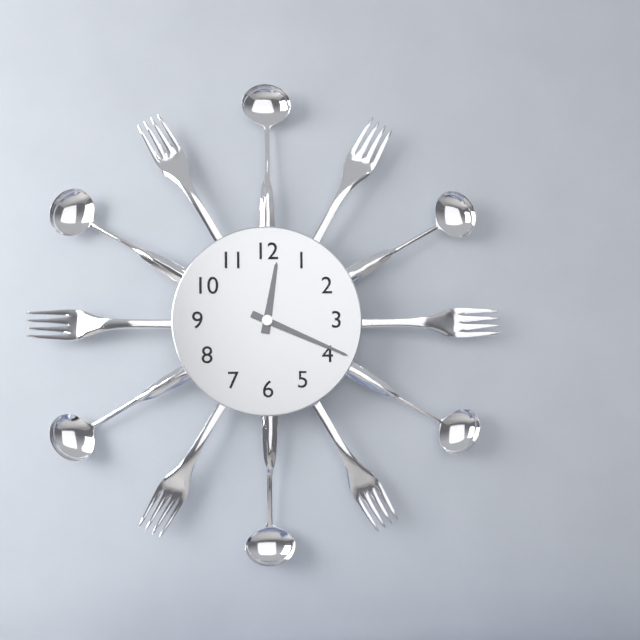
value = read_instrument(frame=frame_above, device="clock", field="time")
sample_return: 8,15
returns 12,19
